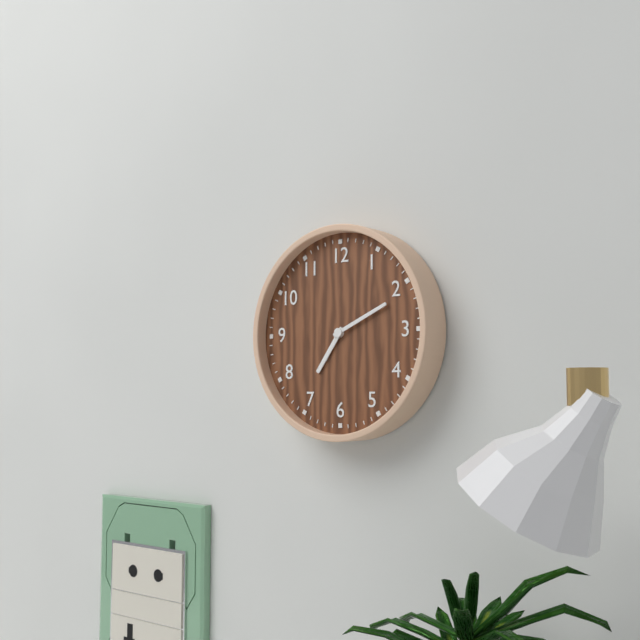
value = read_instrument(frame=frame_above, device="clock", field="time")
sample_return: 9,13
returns 7,11
